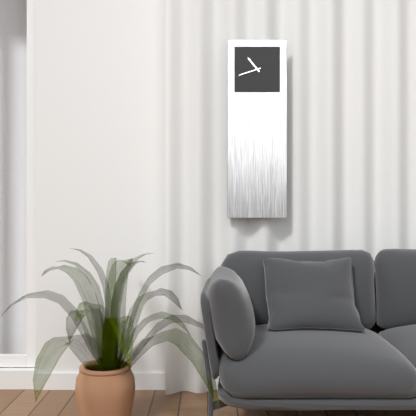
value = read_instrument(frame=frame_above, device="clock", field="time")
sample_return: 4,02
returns 10,42
